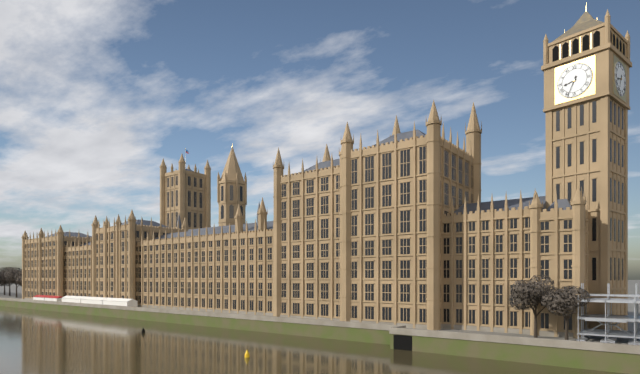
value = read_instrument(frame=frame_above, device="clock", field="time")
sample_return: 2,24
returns 8,34
